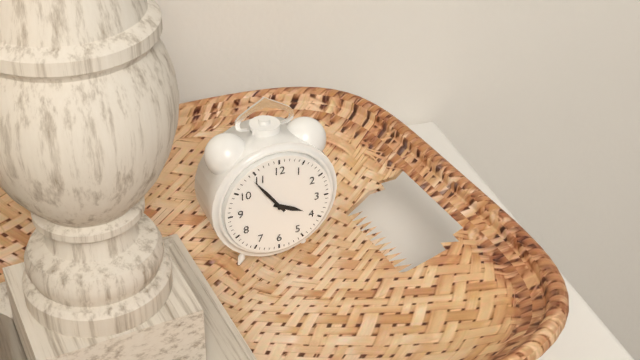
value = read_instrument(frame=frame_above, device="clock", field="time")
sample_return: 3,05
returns 3,54
